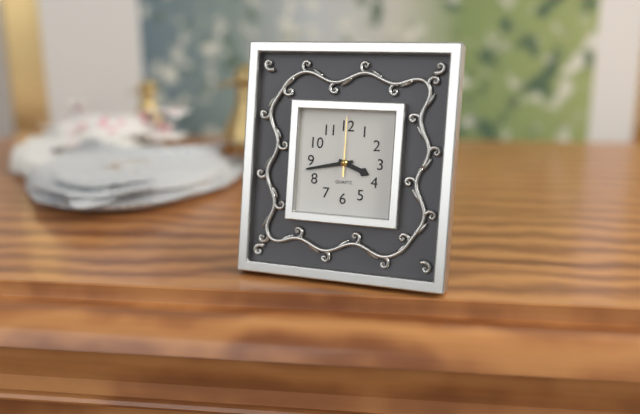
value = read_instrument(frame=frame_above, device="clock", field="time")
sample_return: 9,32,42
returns 3,43,00
